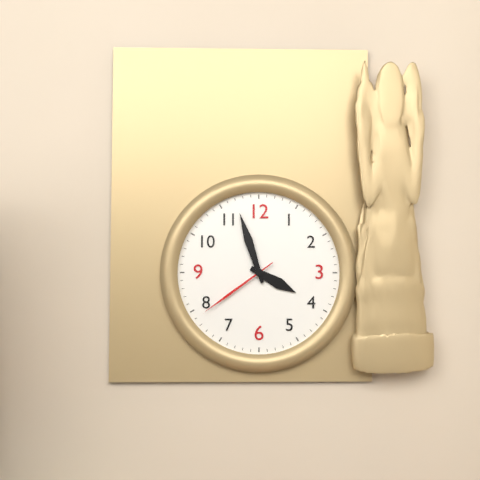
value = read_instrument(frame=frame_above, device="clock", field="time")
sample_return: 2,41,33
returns 3,57,39
